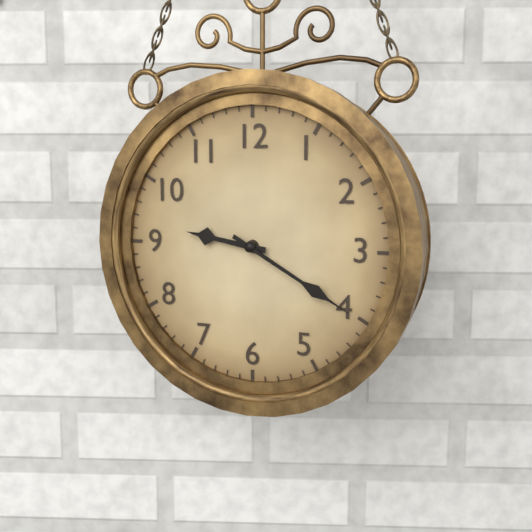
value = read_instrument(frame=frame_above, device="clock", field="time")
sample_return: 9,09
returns 9,20
